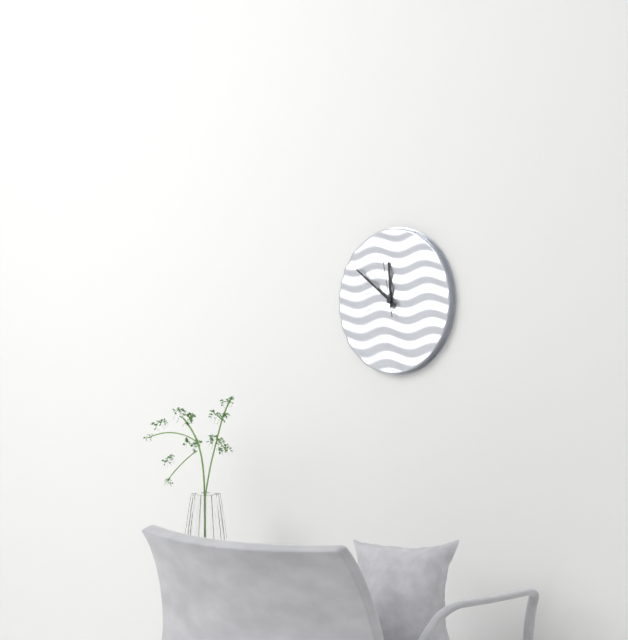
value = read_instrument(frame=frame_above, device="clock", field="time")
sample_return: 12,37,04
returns 11,51,58
